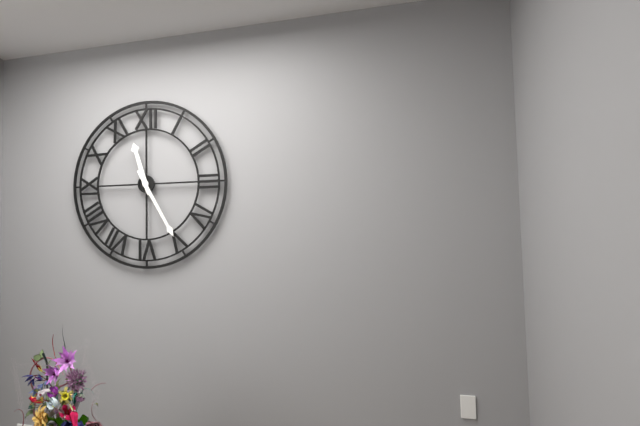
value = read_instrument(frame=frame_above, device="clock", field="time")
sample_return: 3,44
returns 11,25
